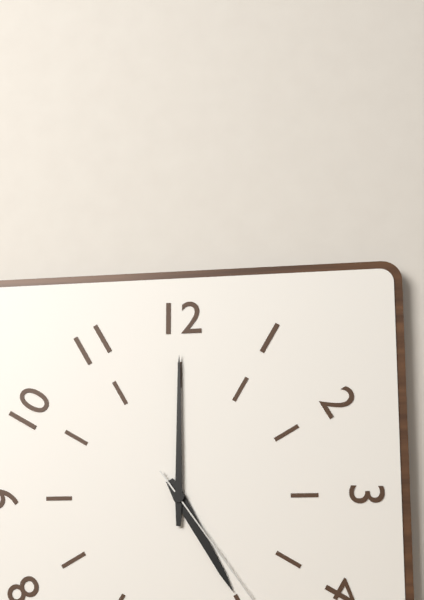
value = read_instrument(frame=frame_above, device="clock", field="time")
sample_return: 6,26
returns 5,00
